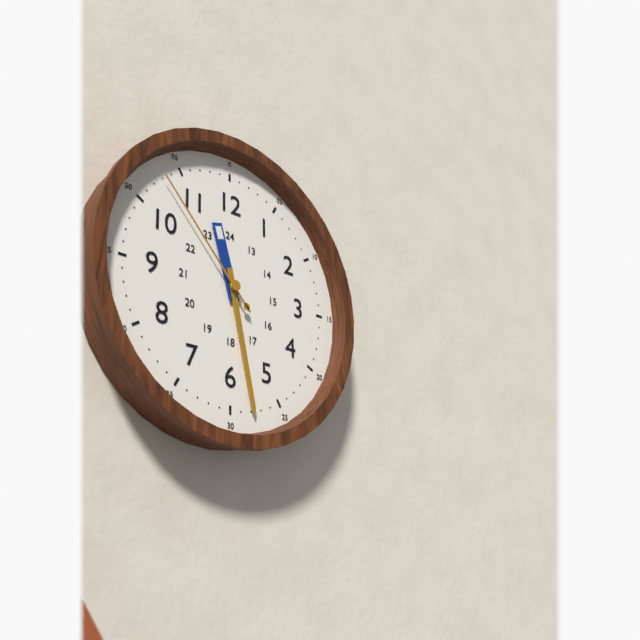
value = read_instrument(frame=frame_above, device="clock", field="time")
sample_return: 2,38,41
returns 11,28,53
